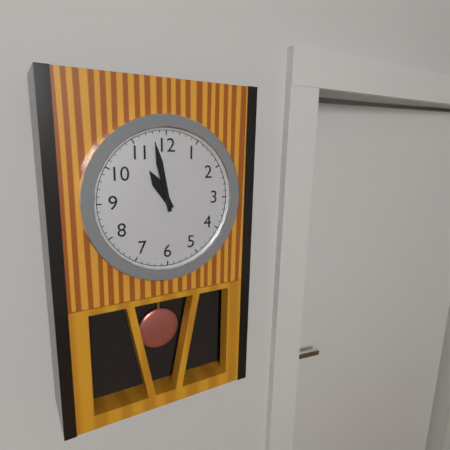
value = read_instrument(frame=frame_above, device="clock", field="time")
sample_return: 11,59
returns 10,58
